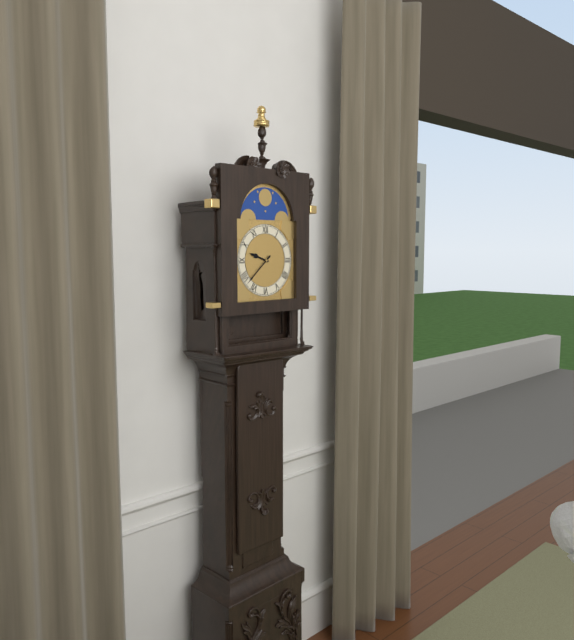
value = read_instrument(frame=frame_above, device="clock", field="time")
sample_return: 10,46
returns 9,38
